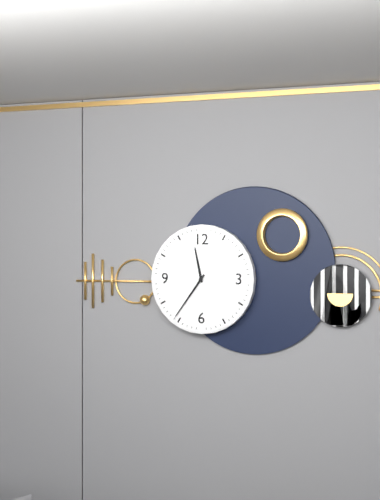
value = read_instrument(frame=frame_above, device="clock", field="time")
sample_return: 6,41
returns 11,36
